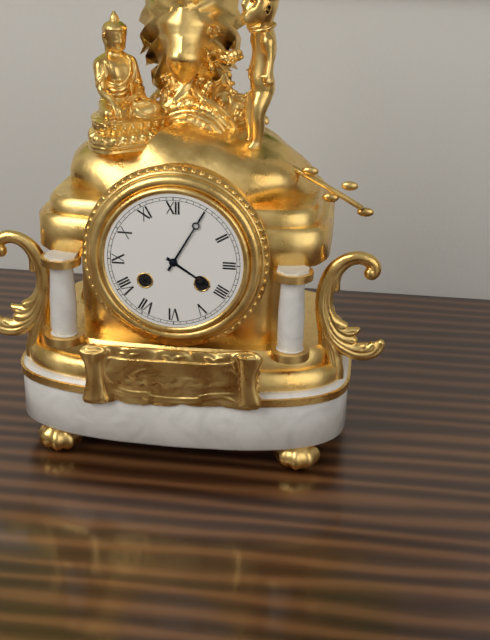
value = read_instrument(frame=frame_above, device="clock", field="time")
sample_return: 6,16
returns 4,05
